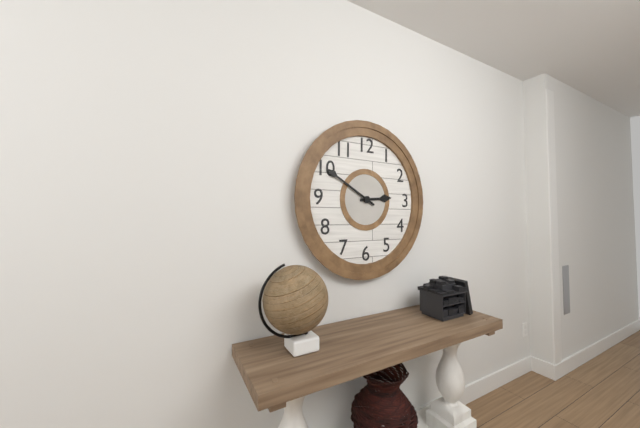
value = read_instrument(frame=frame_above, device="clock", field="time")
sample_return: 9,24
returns 2,50
